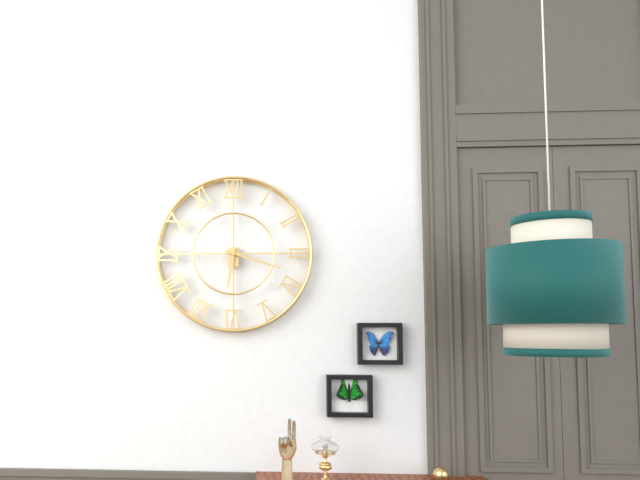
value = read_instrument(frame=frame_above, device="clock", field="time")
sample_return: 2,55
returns 6,18
